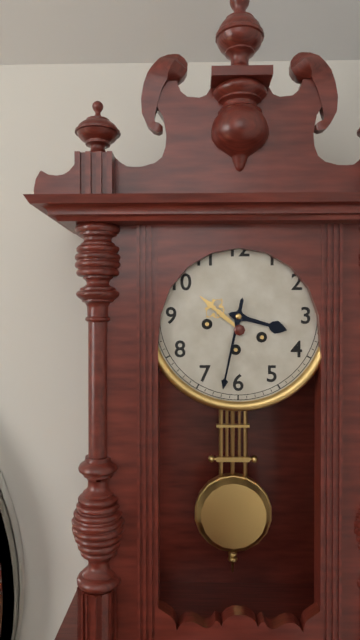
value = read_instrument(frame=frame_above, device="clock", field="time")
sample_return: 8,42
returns 3,32
